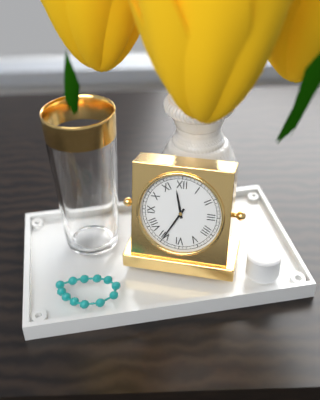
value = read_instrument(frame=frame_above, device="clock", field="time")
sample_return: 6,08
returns 11,35
